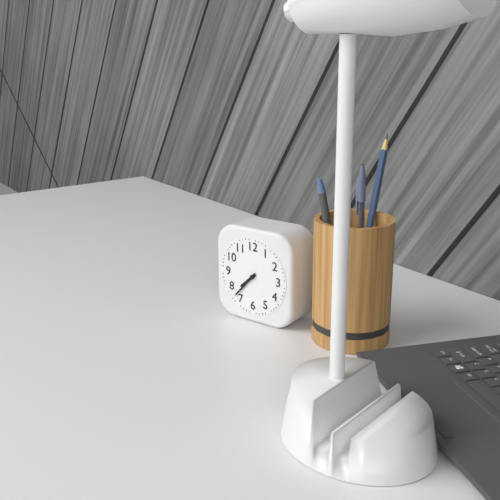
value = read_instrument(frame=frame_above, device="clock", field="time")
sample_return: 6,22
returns 7,37
